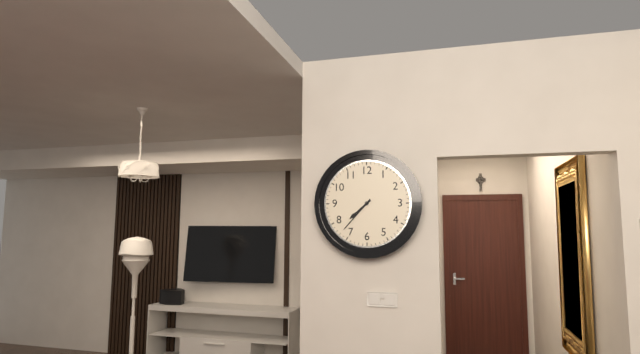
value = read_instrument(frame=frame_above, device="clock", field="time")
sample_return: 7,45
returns 7,37
